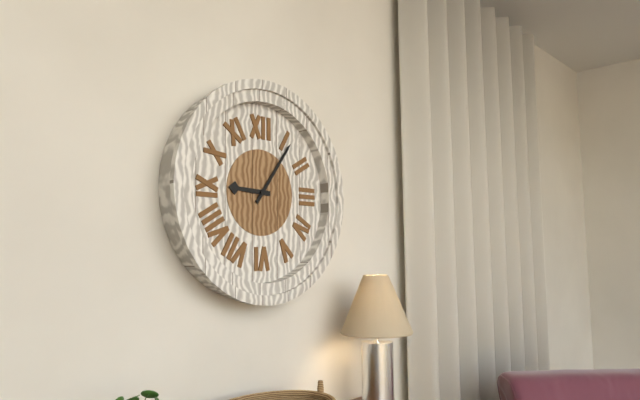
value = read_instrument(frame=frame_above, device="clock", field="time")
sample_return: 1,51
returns 9,06
